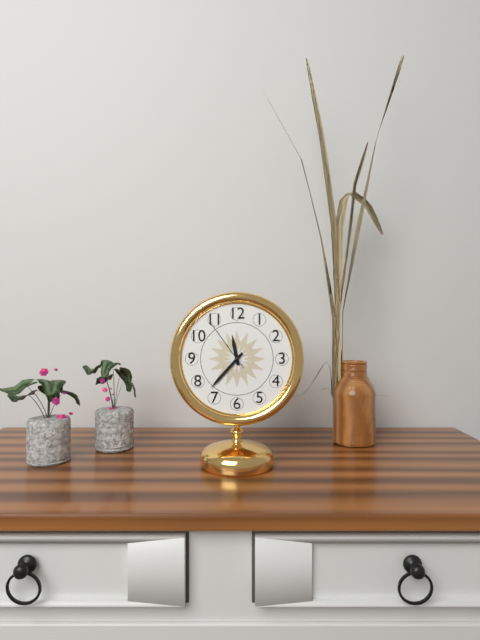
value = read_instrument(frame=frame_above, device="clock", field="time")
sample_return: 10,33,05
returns 11,37,54
